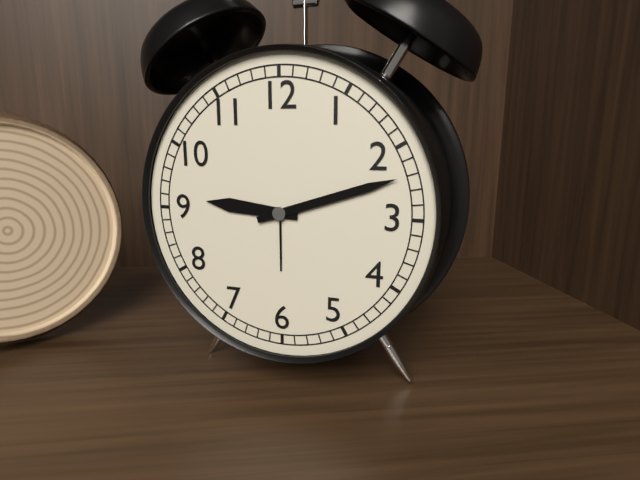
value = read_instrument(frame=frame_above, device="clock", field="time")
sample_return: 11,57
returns 9,12
